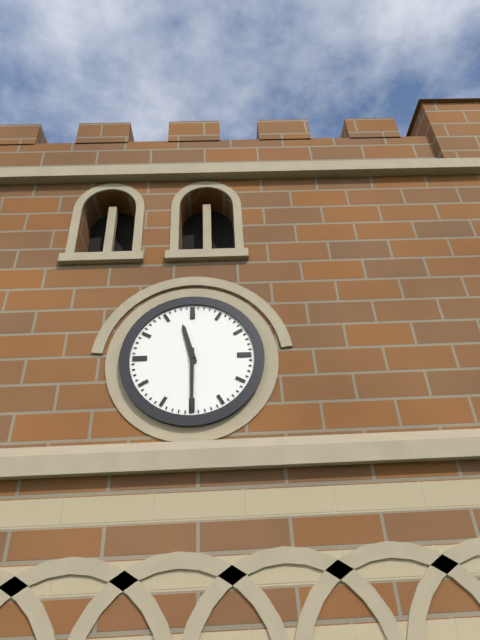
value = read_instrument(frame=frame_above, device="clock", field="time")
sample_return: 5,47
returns 11,30
